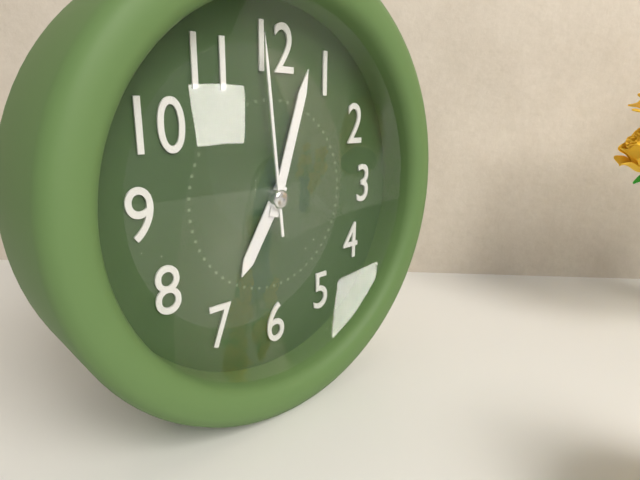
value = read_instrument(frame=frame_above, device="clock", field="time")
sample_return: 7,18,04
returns 7,03,59
